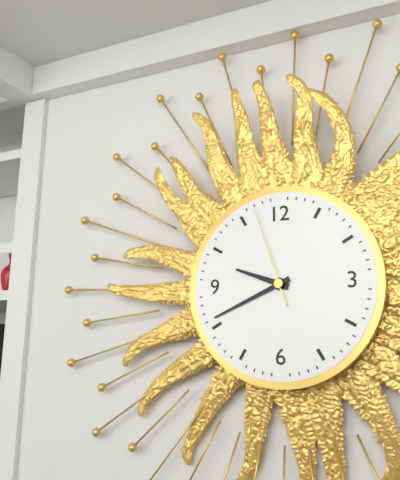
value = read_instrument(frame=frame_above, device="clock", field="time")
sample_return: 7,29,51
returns 9,41,57
